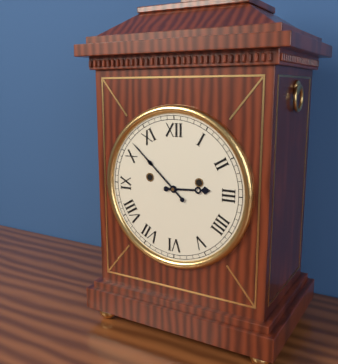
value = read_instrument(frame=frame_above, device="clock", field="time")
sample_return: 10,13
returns 2,52
